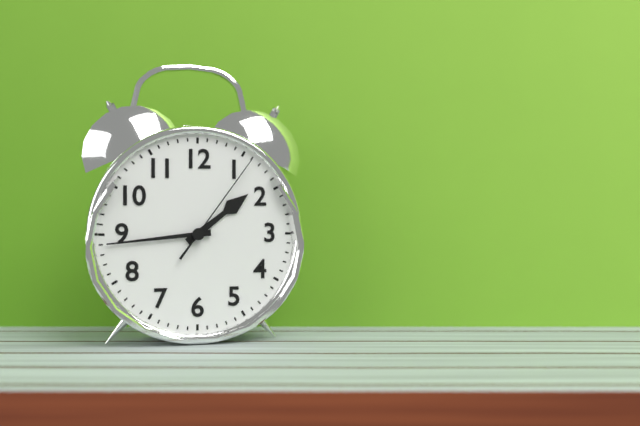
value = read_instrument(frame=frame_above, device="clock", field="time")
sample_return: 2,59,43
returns 1,44,06
